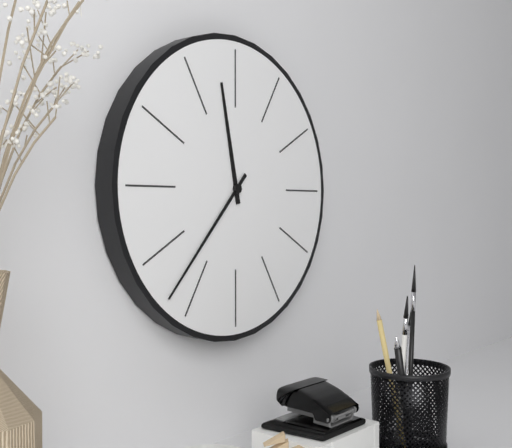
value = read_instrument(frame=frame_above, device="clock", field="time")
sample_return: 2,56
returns 11,37
